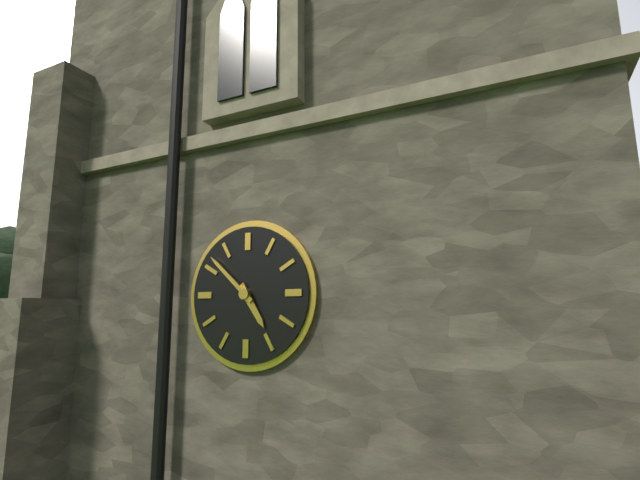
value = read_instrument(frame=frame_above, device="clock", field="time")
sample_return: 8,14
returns 4,52
